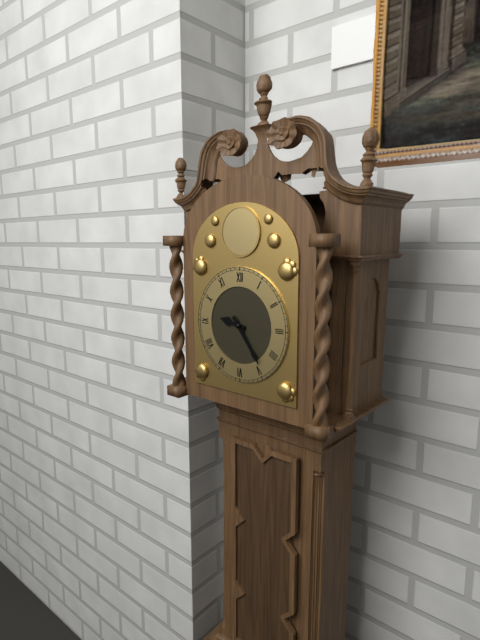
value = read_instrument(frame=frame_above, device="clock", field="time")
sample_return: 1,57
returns 9,24
